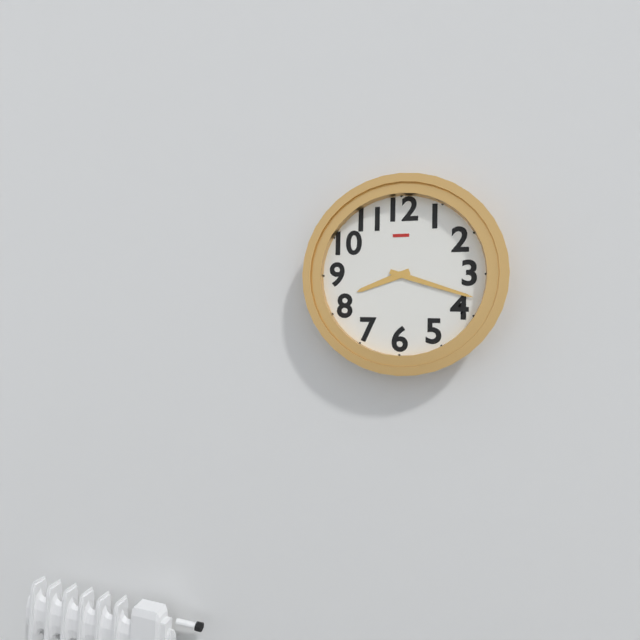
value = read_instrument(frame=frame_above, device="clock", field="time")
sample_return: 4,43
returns 8,18
